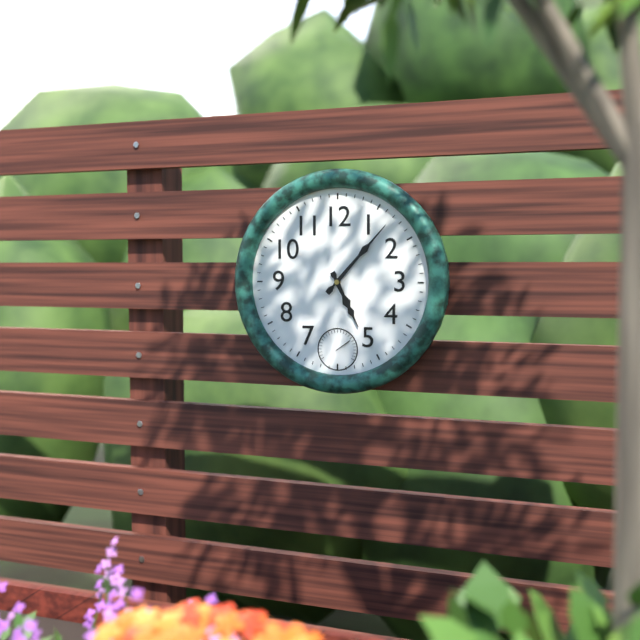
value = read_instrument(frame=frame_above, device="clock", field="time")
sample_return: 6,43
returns 5,07
